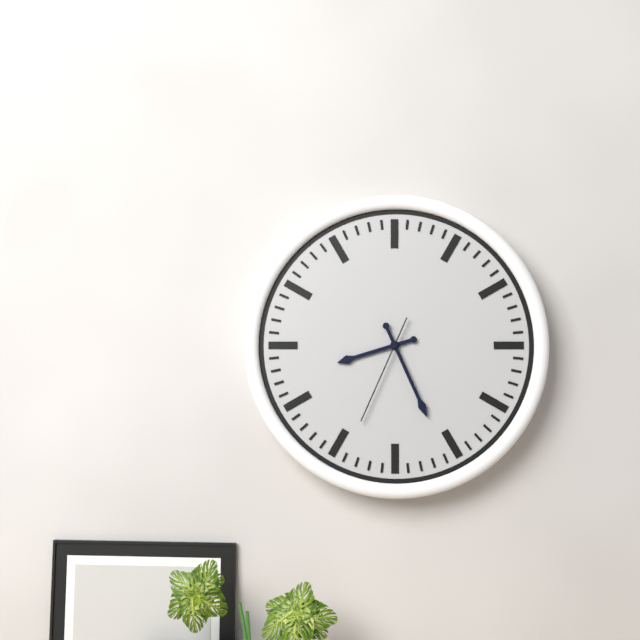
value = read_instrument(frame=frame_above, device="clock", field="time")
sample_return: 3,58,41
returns 8,26,34
